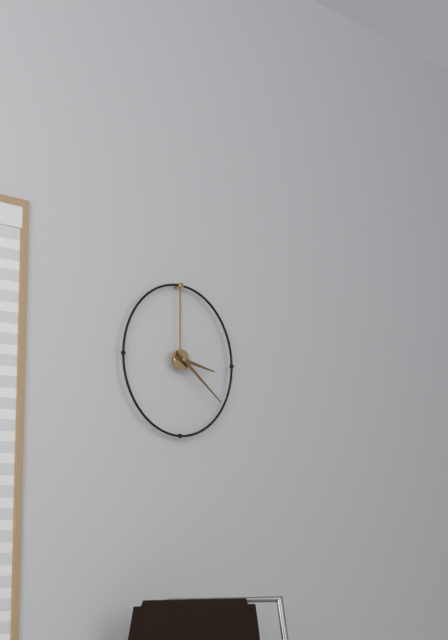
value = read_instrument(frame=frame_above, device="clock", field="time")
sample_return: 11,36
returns 3,21
